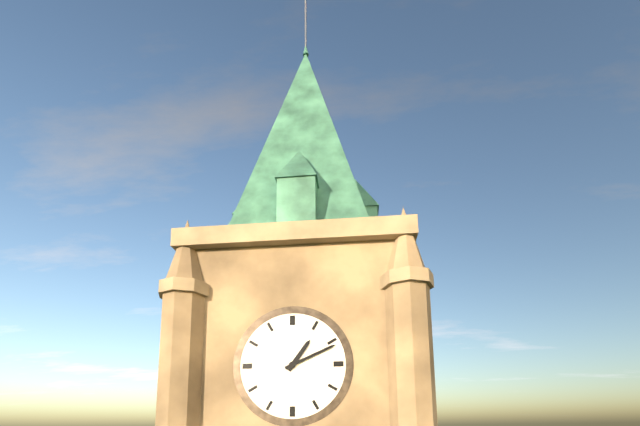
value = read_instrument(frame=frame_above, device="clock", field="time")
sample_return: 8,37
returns 1,11
